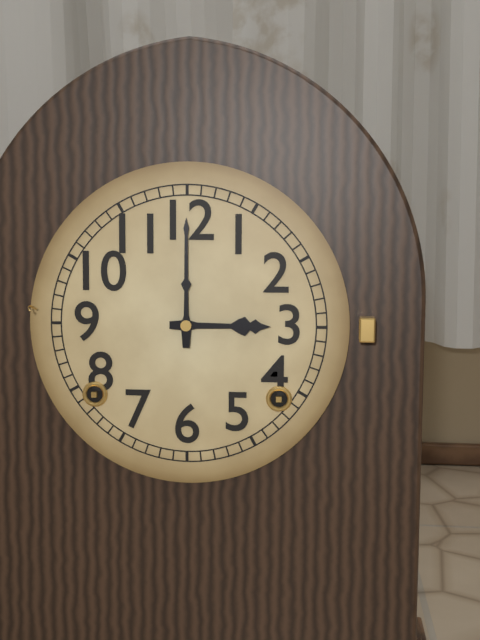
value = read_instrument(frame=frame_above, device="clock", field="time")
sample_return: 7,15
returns 3,00
